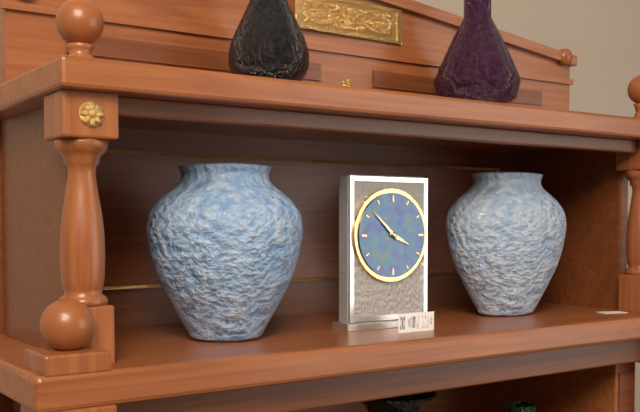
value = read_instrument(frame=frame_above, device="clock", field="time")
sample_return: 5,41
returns 3,52
